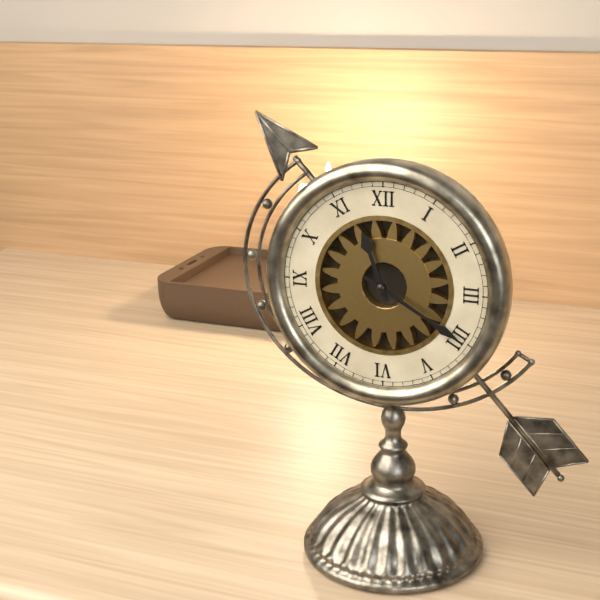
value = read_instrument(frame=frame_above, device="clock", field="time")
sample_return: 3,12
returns 11,20
